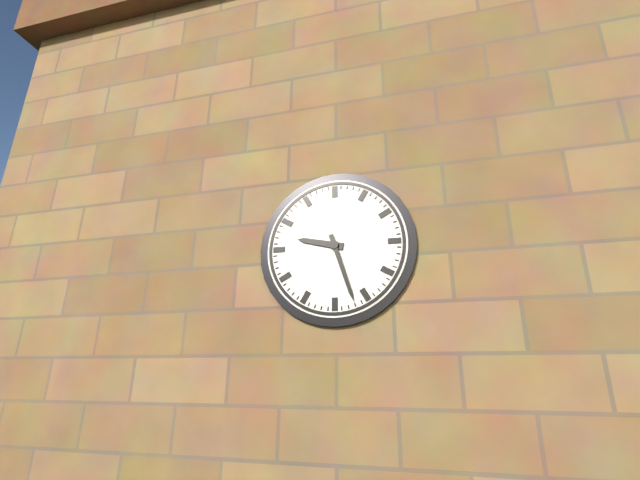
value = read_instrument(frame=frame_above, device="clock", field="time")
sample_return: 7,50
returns 9,27
